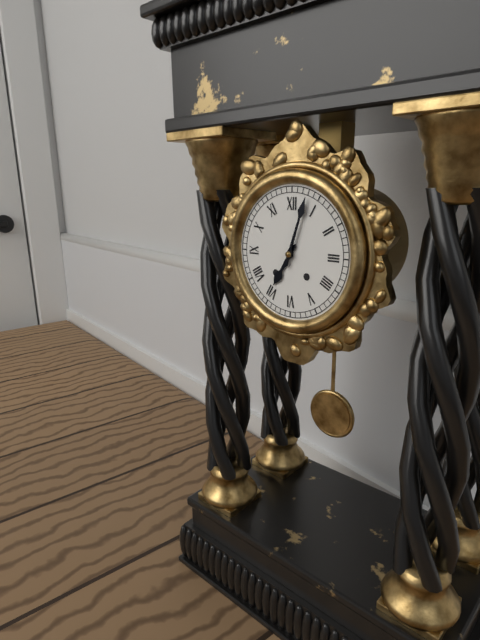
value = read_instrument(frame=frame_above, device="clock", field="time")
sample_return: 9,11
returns 7,03
